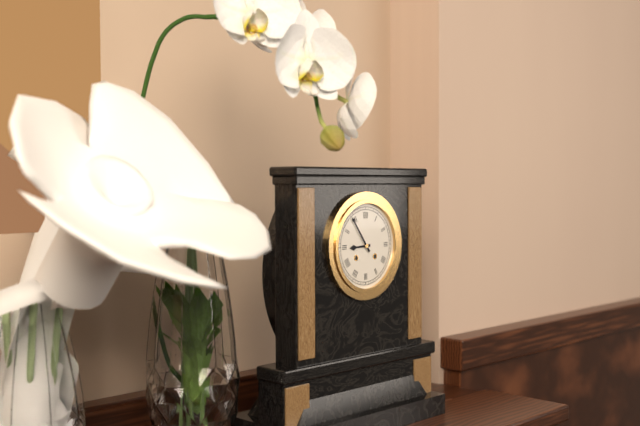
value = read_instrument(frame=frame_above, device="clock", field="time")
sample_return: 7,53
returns 8,54
